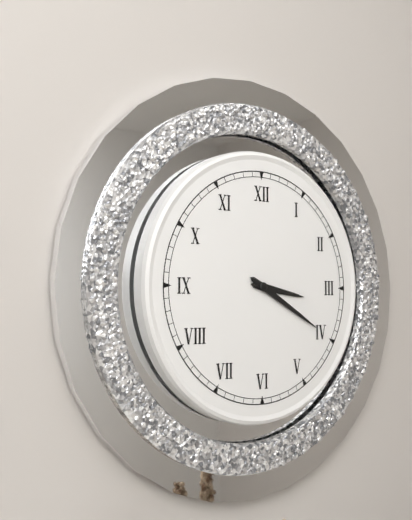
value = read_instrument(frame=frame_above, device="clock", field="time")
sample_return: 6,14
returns 3,20
